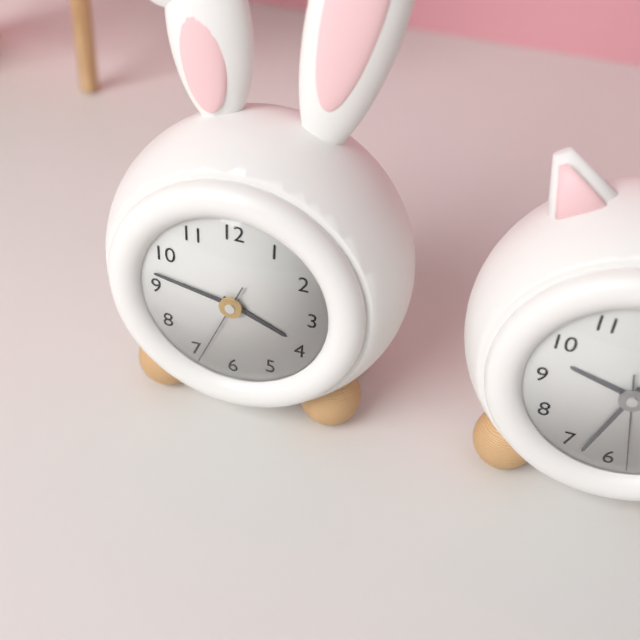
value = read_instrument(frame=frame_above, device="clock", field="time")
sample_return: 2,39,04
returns 3,47,34
